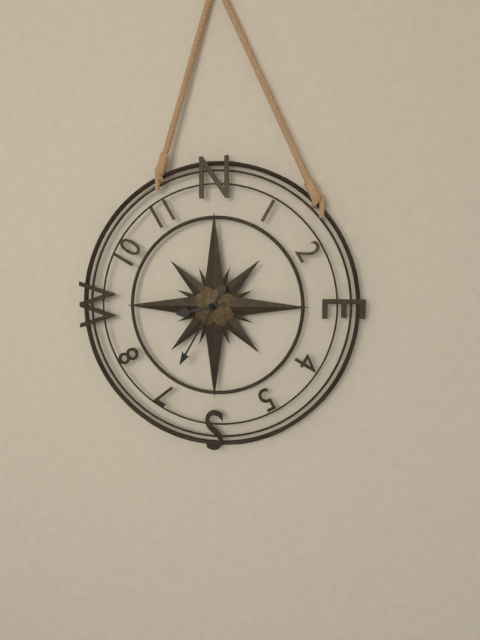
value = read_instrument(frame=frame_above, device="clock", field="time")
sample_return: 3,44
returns 8,35
